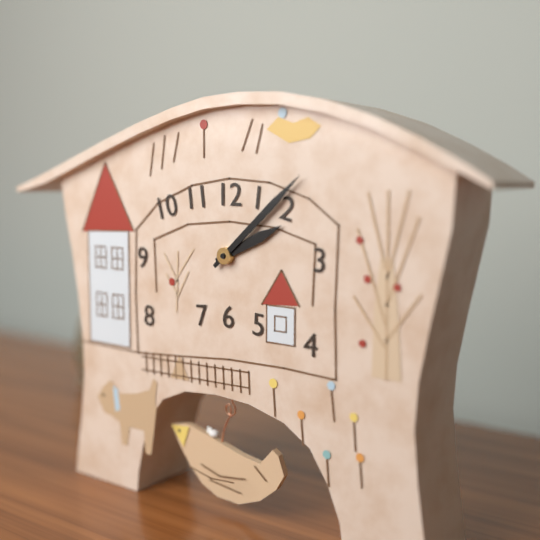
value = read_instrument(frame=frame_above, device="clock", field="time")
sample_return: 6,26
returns 2,08
